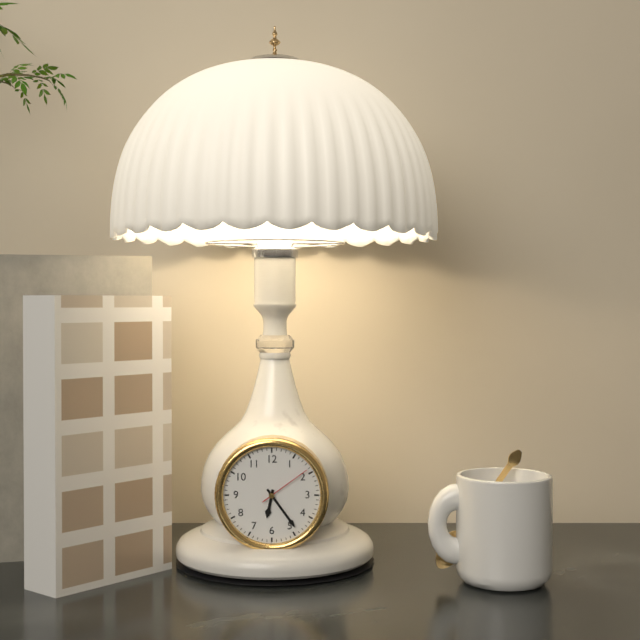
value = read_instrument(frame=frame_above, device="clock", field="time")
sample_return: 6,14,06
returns 6,24,09
